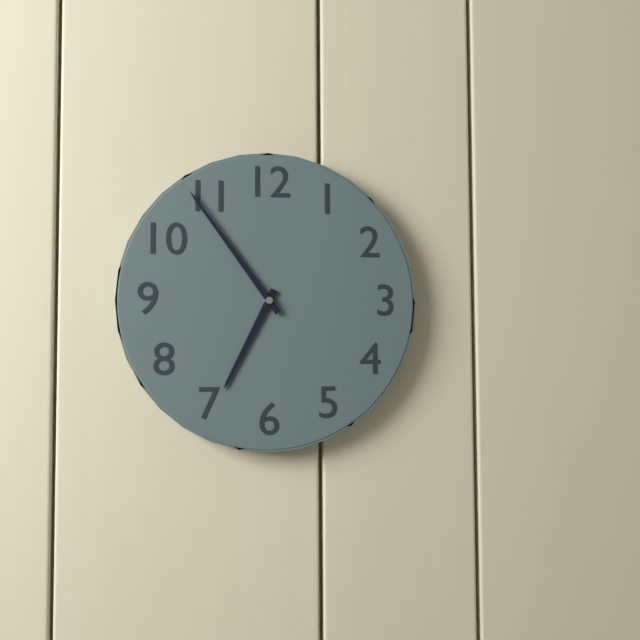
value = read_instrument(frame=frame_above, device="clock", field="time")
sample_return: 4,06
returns 6,54
